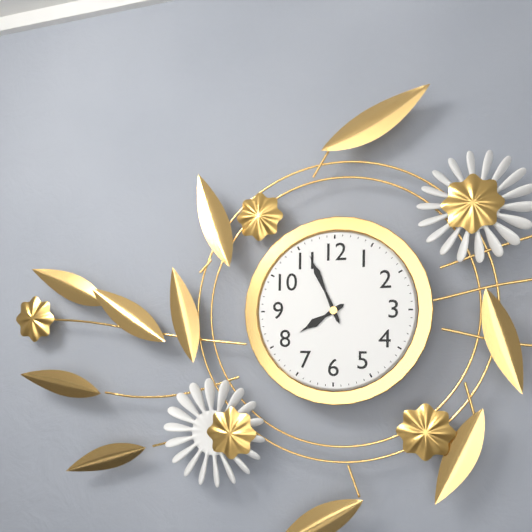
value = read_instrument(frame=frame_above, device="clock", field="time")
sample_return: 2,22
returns 7,56
